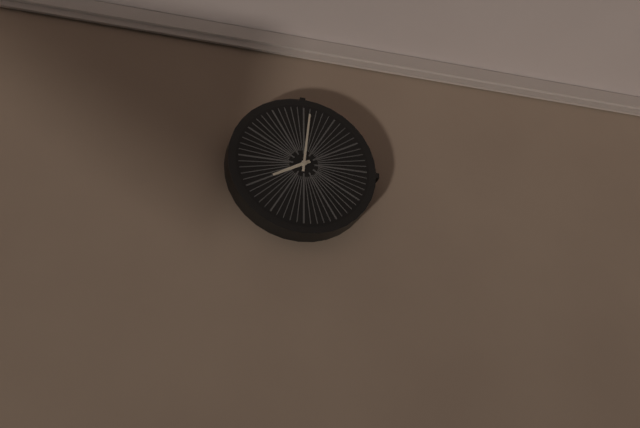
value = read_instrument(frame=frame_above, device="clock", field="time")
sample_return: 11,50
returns 8,01
